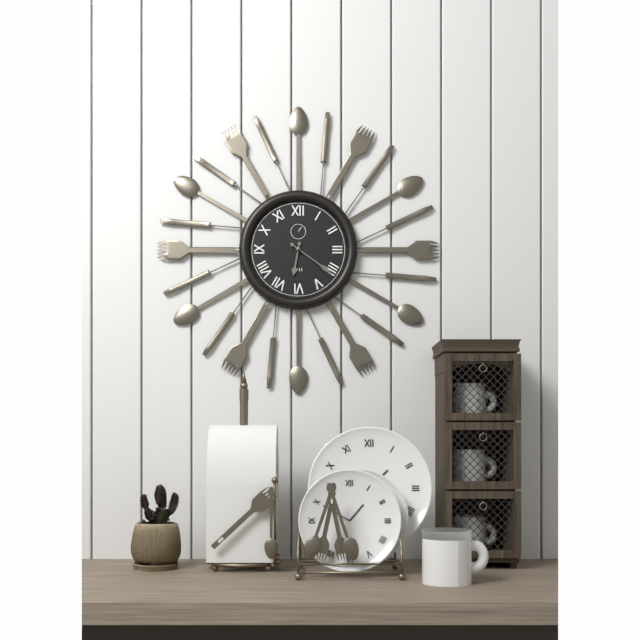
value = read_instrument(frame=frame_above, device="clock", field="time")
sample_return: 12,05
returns 6,21
